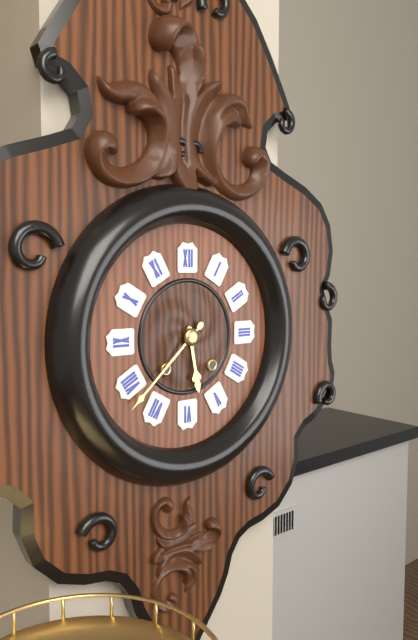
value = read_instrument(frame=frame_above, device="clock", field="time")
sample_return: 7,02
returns 5,38
